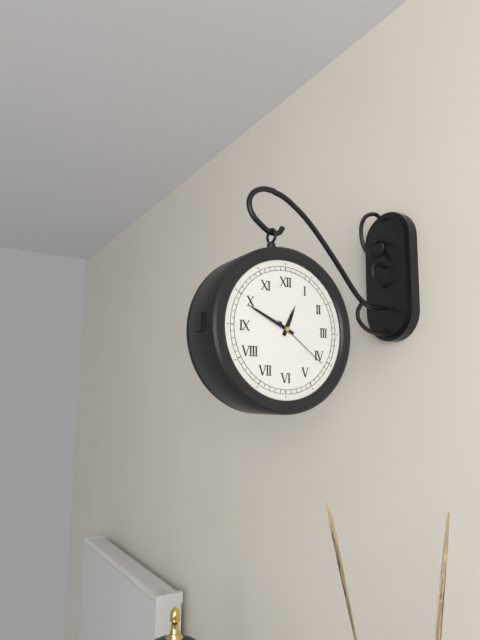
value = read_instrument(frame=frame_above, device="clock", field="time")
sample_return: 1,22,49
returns 12,49,21
